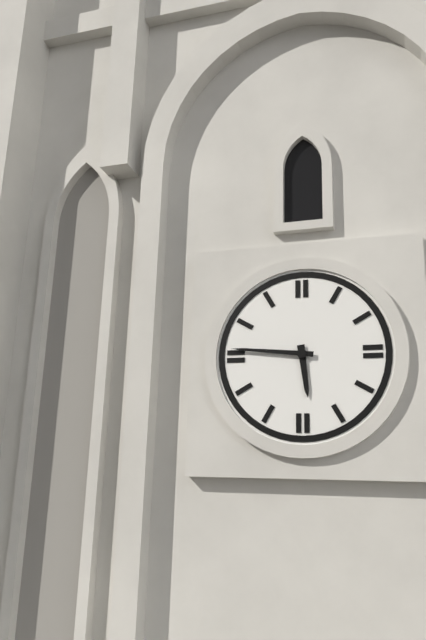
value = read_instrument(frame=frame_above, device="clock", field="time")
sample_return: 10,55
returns 5,46
